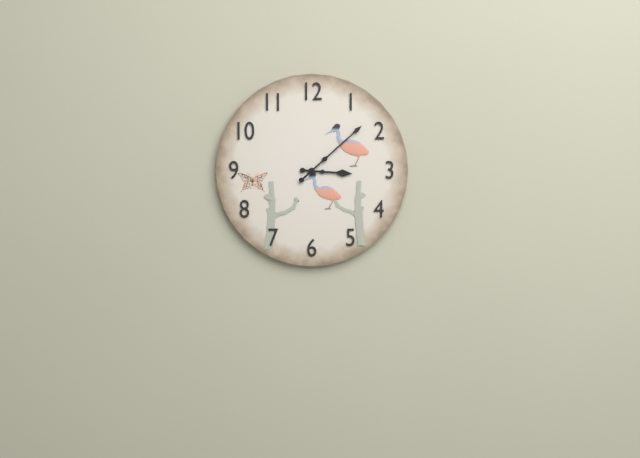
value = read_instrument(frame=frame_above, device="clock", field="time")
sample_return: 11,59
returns 3,08
